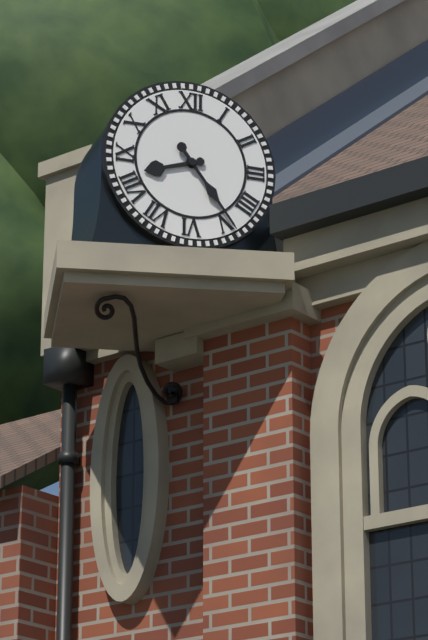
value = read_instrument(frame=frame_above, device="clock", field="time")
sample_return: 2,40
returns 8,24
